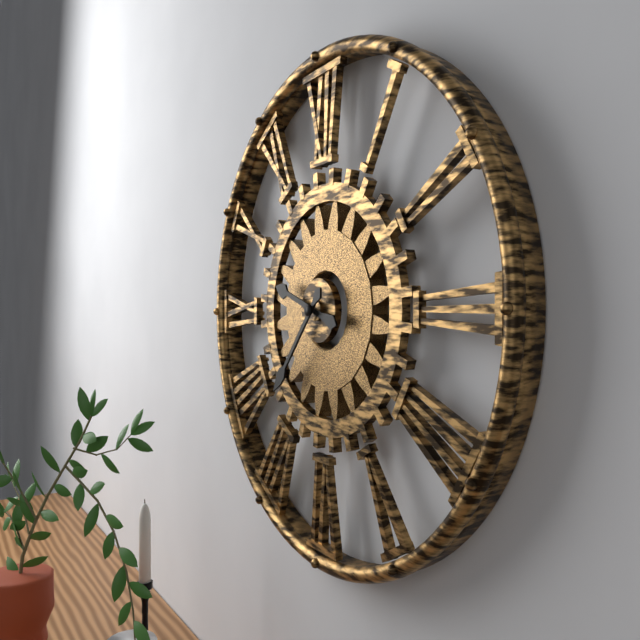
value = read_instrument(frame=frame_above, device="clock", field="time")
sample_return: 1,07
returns 9,37
